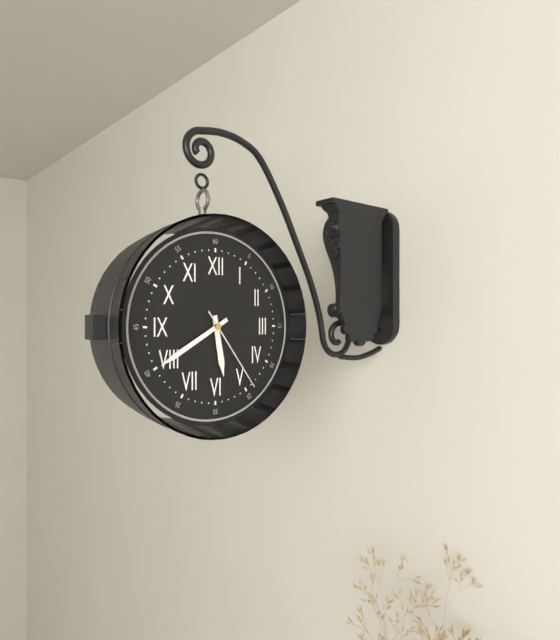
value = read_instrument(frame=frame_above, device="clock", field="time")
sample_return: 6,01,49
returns 5,40,24
